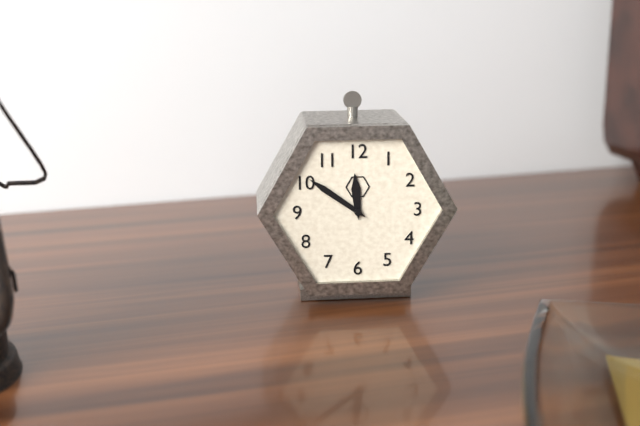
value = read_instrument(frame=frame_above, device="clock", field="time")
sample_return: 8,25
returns 11,51
